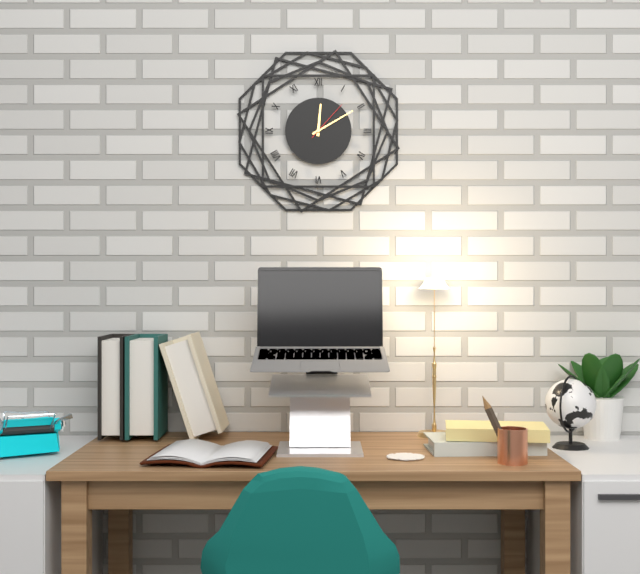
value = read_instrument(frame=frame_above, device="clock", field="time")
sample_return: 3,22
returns 12,10
